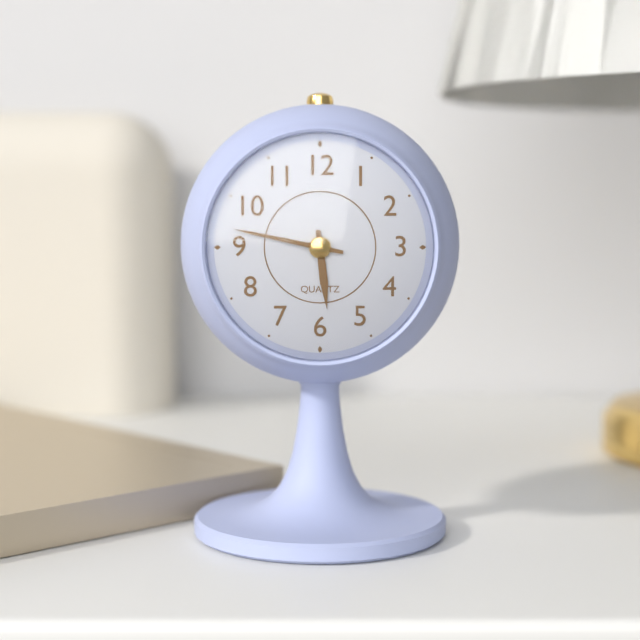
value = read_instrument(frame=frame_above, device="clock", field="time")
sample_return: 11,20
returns 5,47
